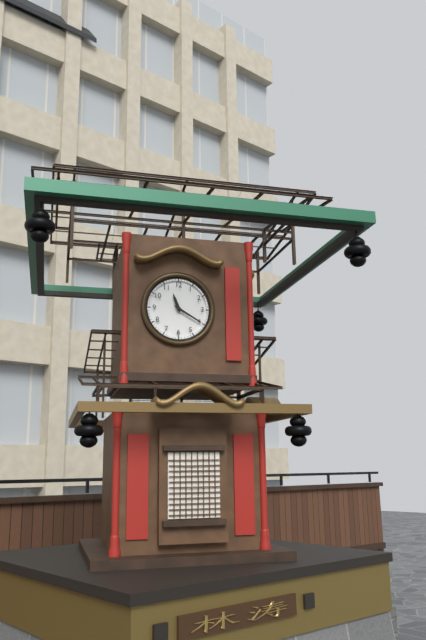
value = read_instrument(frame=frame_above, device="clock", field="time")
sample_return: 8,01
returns 11,20
